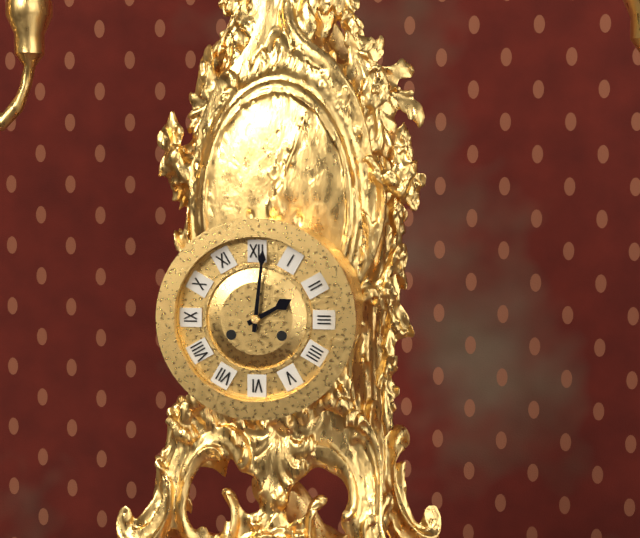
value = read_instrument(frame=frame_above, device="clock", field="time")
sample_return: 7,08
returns 2,01
